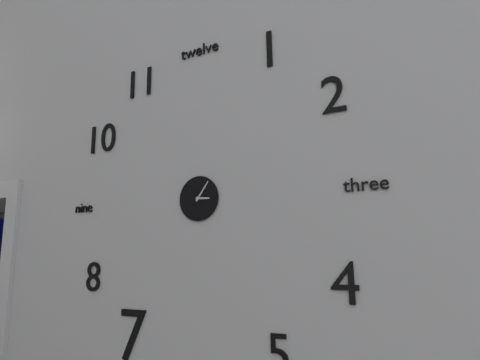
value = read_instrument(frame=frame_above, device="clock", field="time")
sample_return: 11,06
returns 3,06
